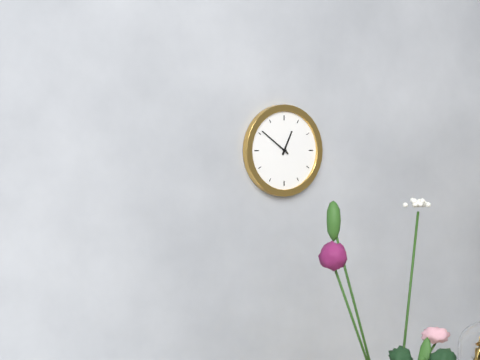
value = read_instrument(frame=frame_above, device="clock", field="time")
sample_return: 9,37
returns 12,51
